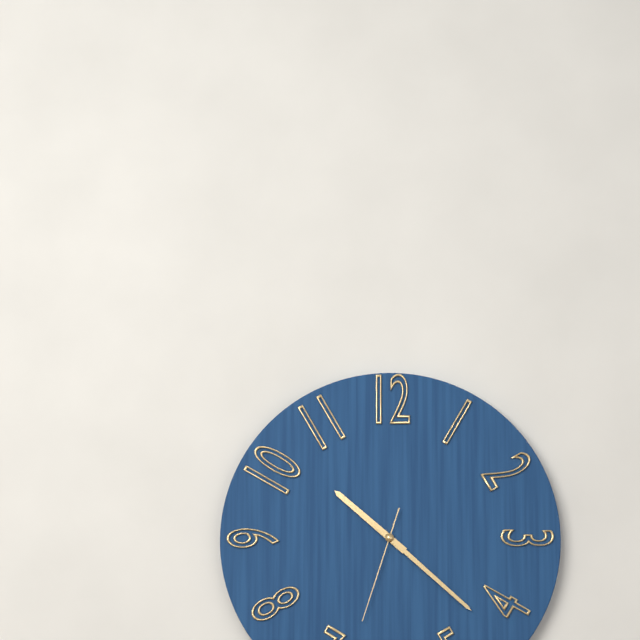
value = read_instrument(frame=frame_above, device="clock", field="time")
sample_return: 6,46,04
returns 10,22,33
